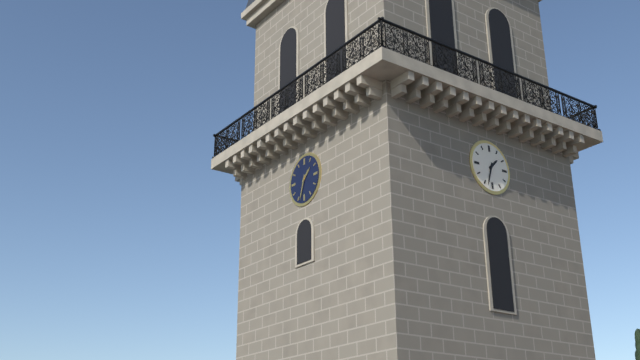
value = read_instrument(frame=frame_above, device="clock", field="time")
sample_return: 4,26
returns 1,33
